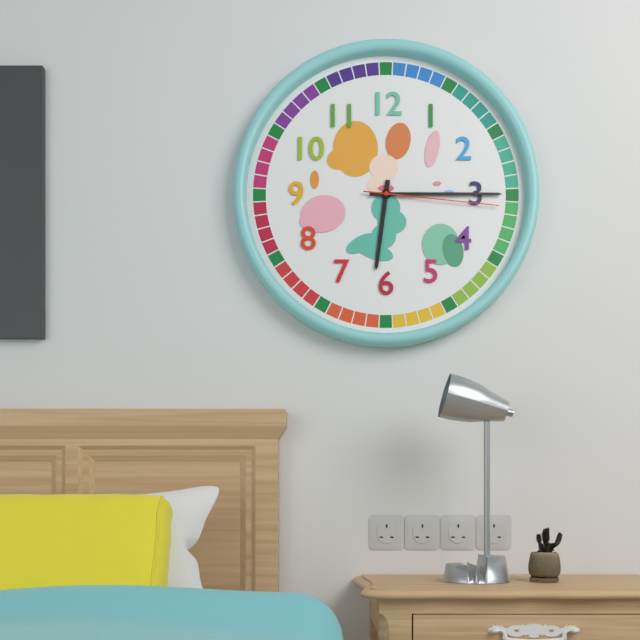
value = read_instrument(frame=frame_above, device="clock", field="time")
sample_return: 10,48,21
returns 6,15,16
